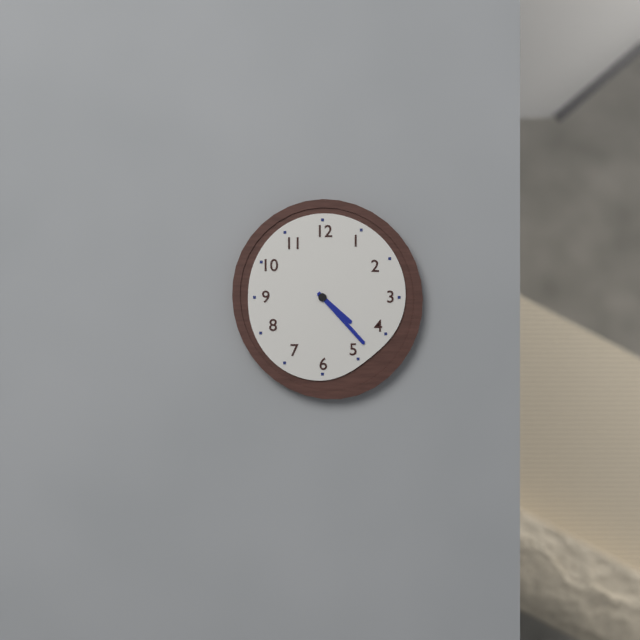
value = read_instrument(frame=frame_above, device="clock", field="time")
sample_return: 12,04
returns 4,23
